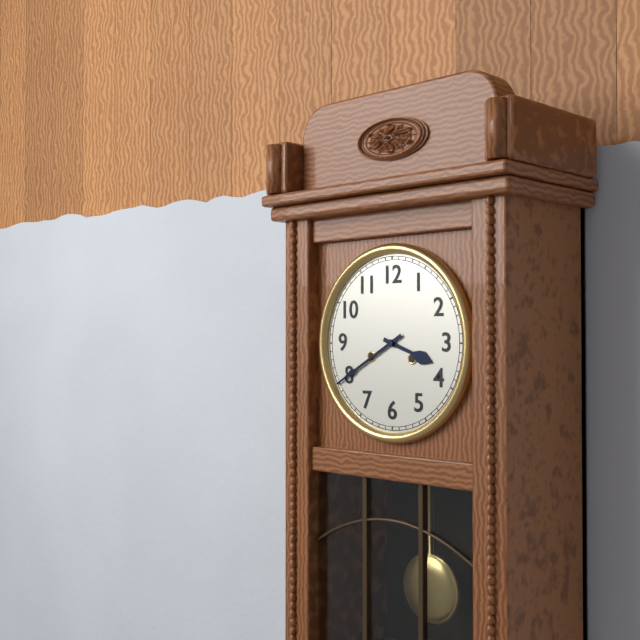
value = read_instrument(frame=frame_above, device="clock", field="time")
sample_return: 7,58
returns 3,40
